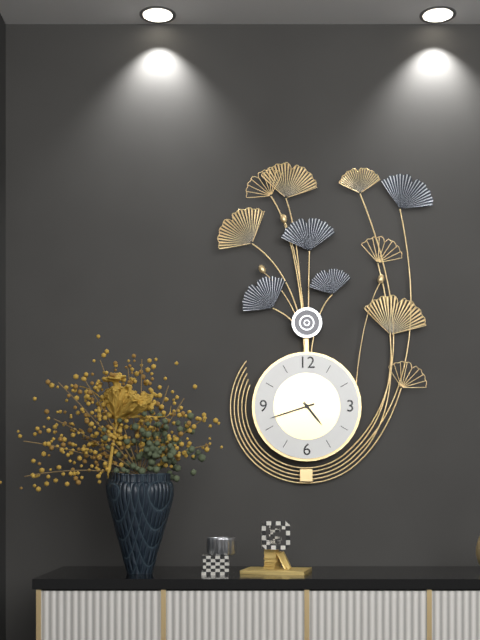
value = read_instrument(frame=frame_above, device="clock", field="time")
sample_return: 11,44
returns 4,42
